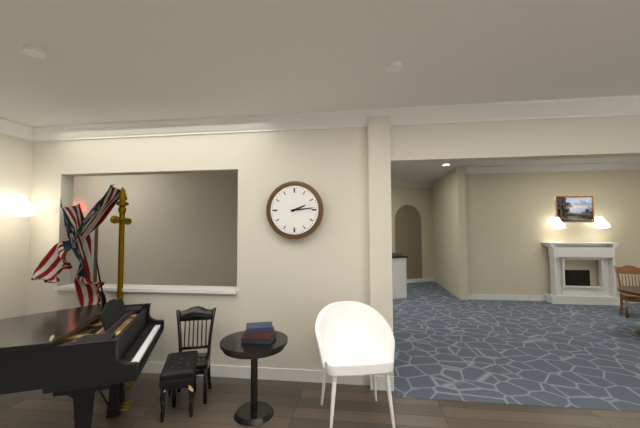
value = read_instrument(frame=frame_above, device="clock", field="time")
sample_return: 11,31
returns 2,14
